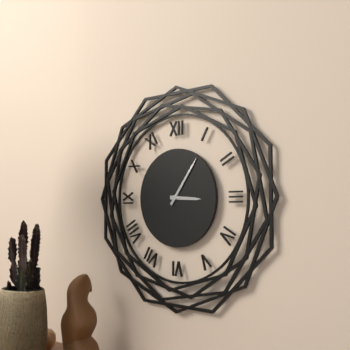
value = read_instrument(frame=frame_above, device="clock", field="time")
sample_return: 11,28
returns 3,06
